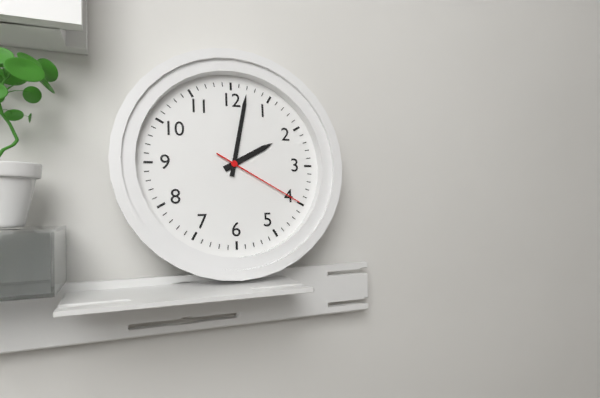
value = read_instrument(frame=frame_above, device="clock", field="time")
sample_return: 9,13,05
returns 2,02,20
